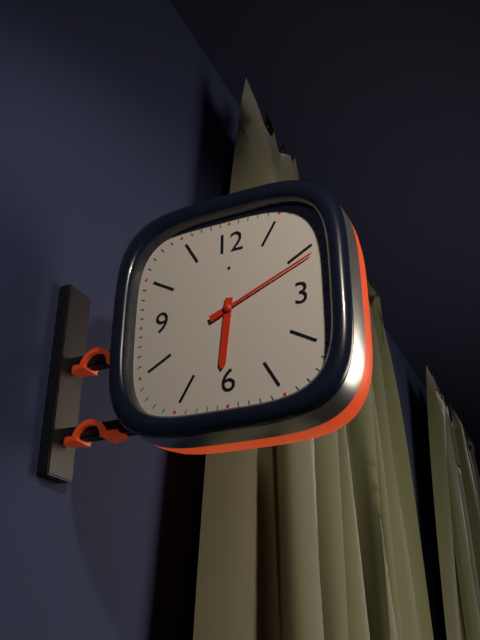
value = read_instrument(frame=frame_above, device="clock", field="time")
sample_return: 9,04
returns 6,11
